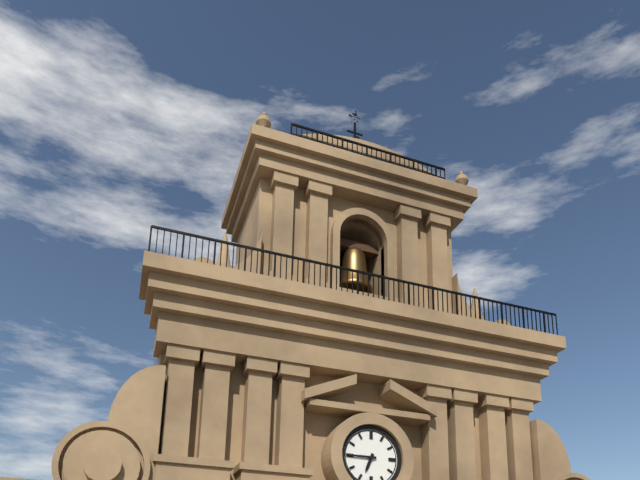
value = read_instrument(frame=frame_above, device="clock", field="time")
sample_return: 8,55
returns 6,45
